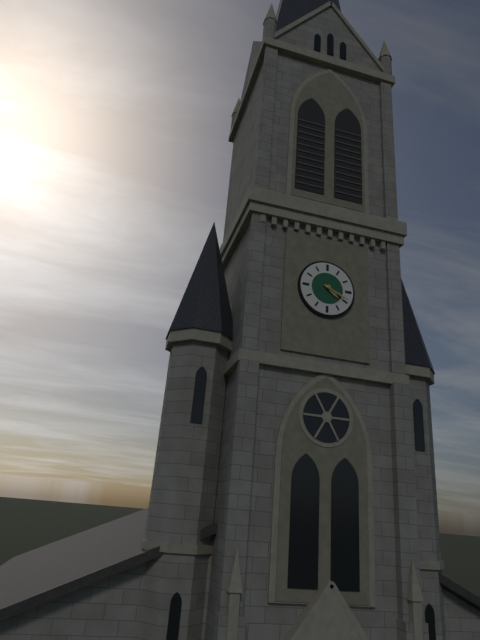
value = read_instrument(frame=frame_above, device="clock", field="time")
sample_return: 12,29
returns 4,19
